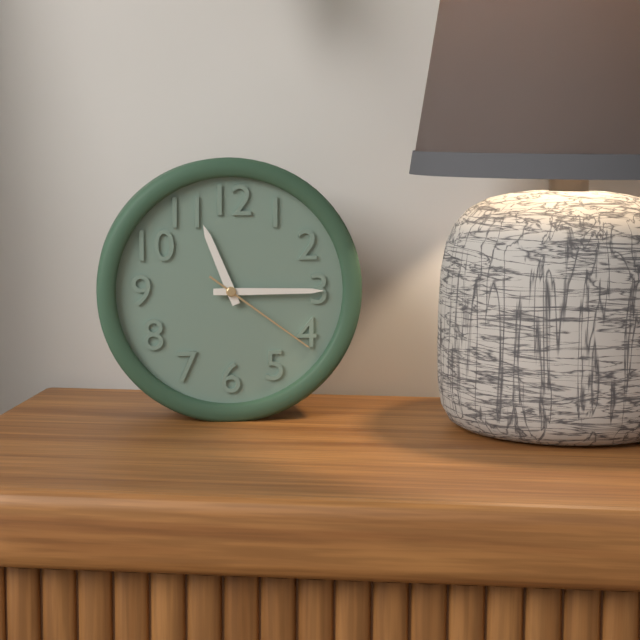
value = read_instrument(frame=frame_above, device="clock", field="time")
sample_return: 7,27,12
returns 11,15,21
